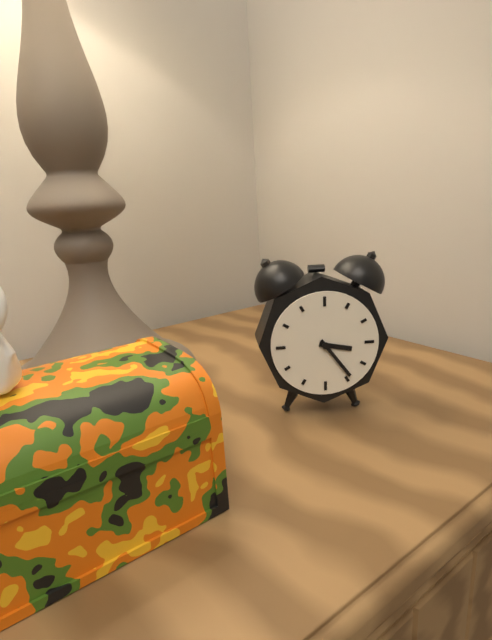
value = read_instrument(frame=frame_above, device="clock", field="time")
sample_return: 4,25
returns 3,24
